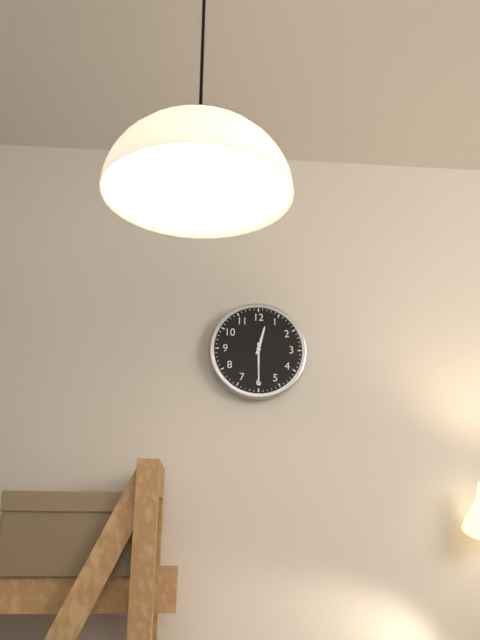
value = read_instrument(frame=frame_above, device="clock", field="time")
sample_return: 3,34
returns 12,30
